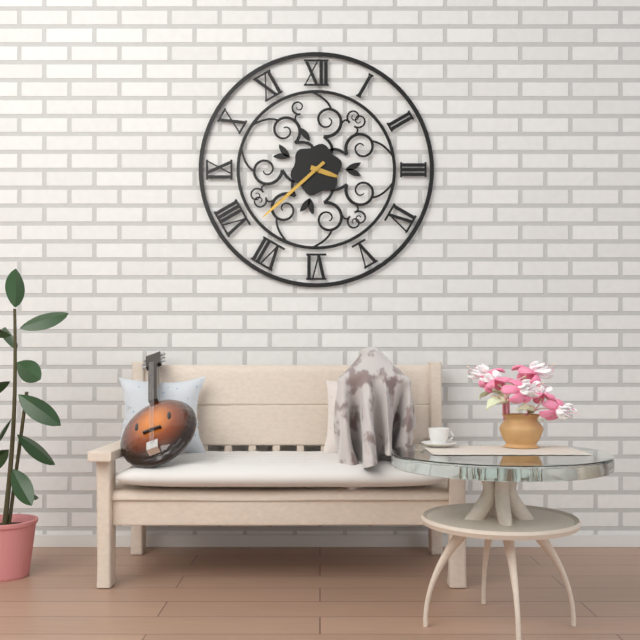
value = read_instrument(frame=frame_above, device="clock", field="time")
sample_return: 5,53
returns 3,38
